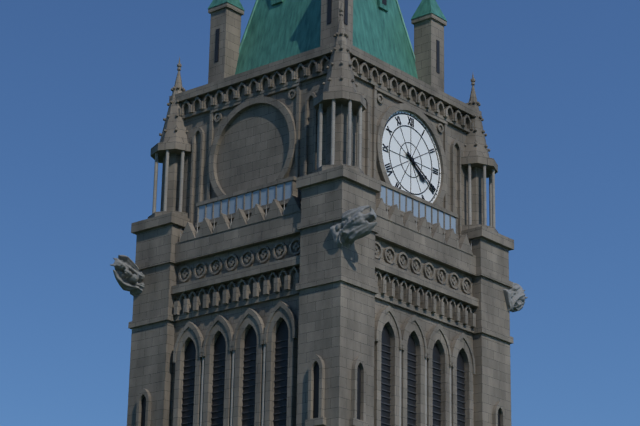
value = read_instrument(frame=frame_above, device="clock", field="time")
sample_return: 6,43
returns 4,20
